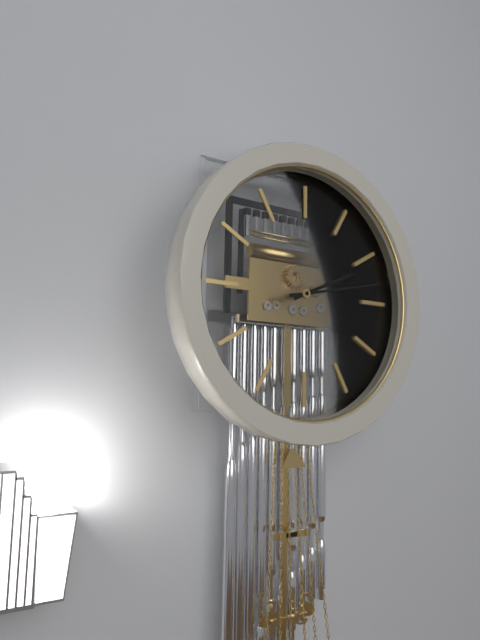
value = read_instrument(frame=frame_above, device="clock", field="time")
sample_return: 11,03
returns 2,13
